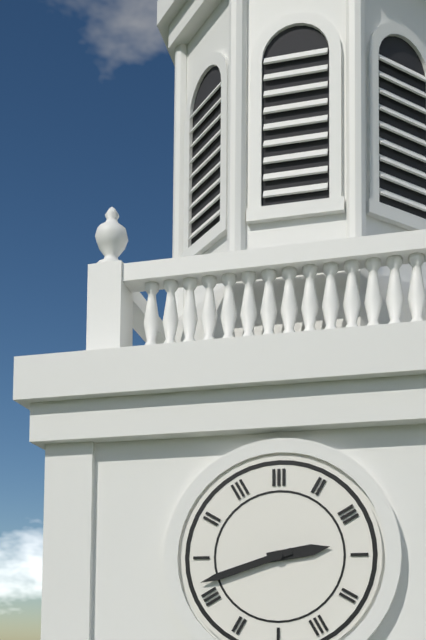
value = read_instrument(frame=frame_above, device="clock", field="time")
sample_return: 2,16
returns 2,42
